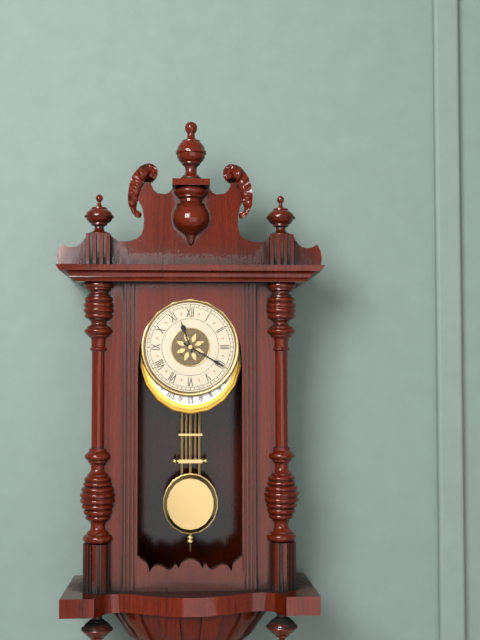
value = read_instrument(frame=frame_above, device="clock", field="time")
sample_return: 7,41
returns 11,20
